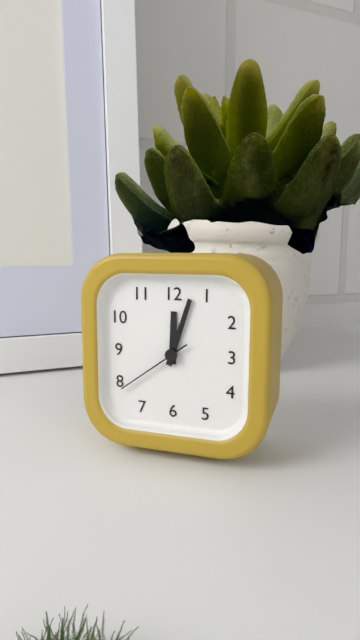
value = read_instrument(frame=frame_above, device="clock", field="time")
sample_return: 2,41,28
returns 12,03,39
